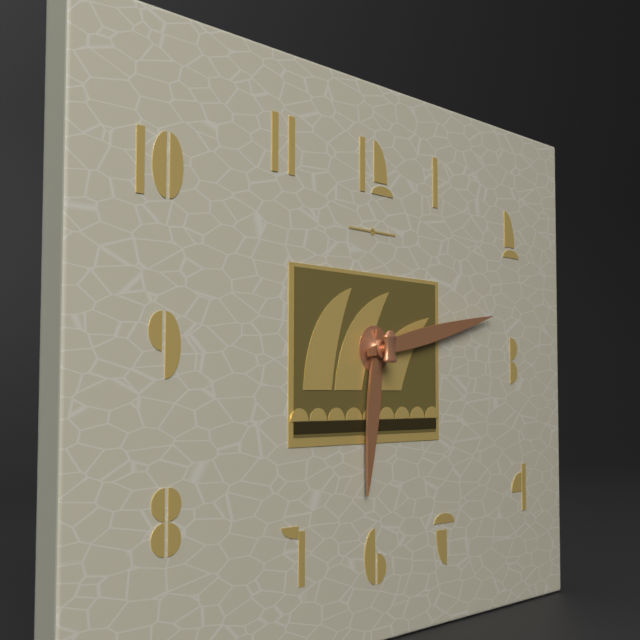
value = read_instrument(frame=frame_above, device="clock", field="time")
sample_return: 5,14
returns 6,13
